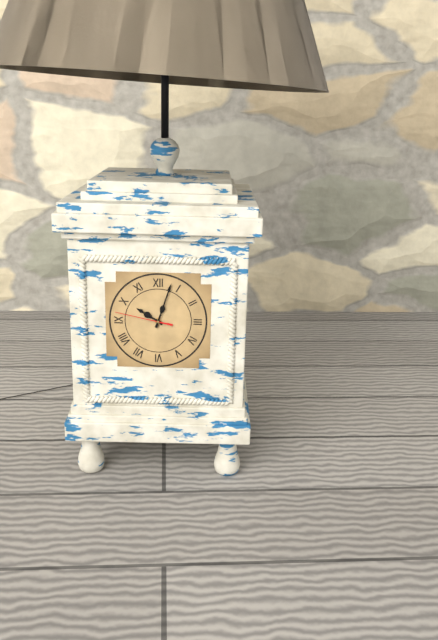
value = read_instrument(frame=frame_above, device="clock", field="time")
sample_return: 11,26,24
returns 10,03,47
